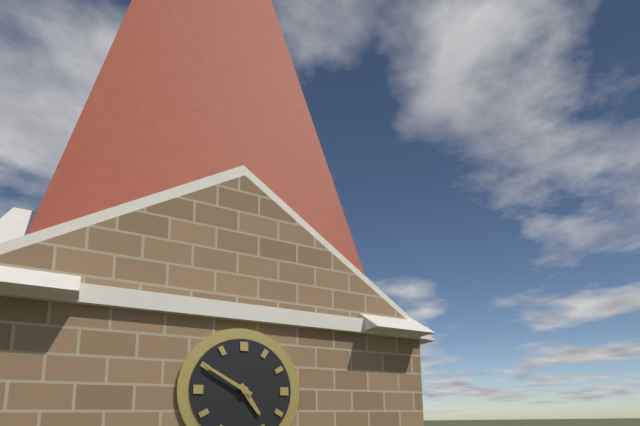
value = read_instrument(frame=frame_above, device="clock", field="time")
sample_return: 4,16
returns 4,50
